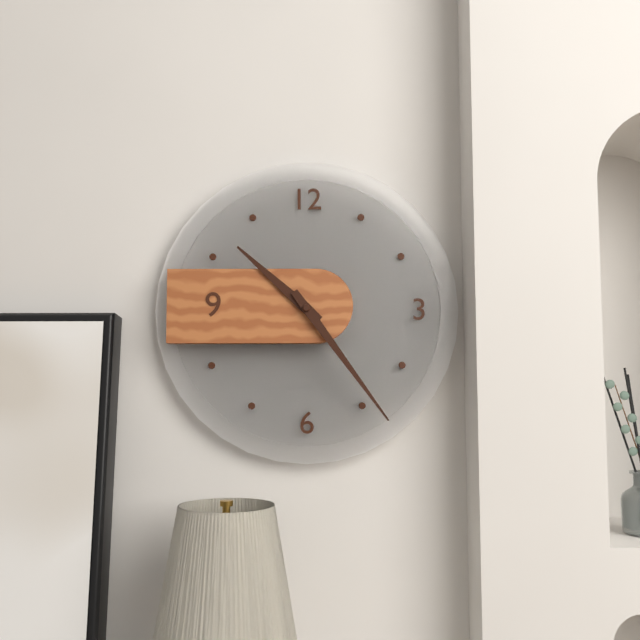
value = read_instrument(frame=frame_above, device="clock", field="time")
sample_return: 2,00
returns 10,24
